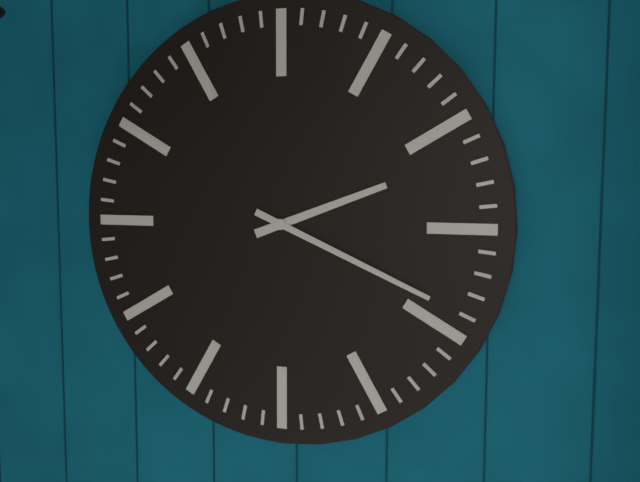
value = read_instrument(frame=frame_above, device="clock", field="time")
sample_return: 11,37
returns 2,19
